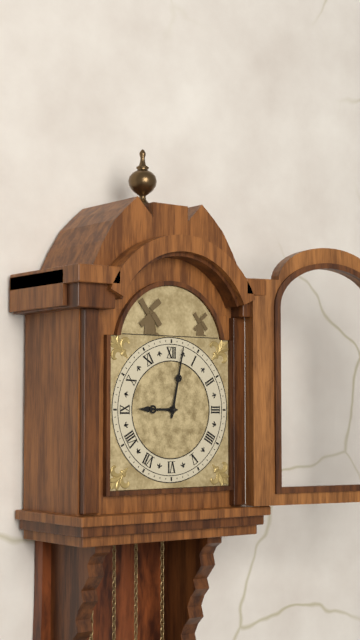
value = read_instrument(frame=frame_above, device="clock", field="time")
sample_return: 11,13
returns 9,02
